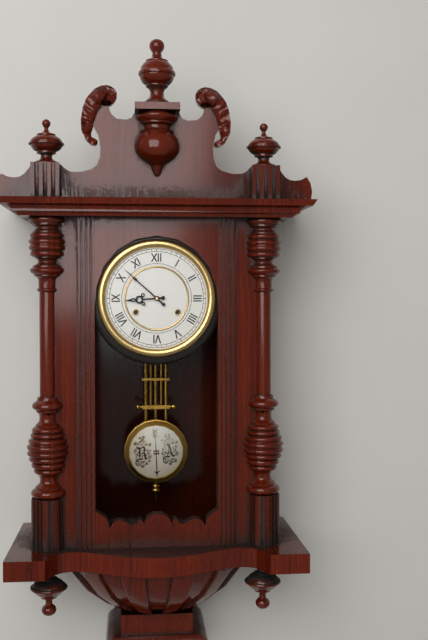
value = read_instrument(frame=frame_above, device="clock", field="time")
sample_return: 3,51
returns 8,52
